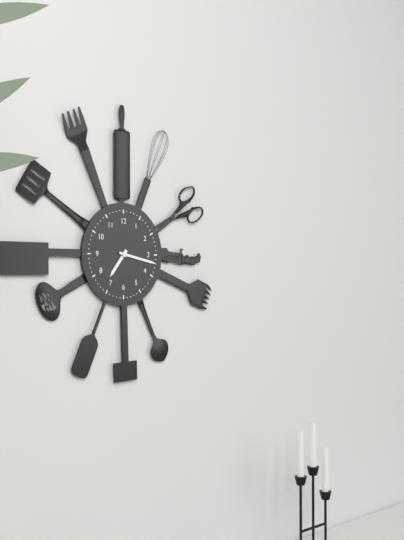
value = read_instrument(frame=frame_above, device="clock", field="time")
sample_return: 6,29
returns 7,17
